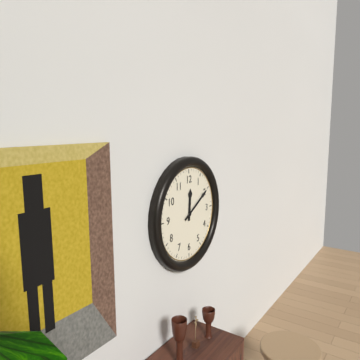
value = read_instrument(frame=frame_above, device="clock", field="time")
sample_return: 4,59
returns 12,10
